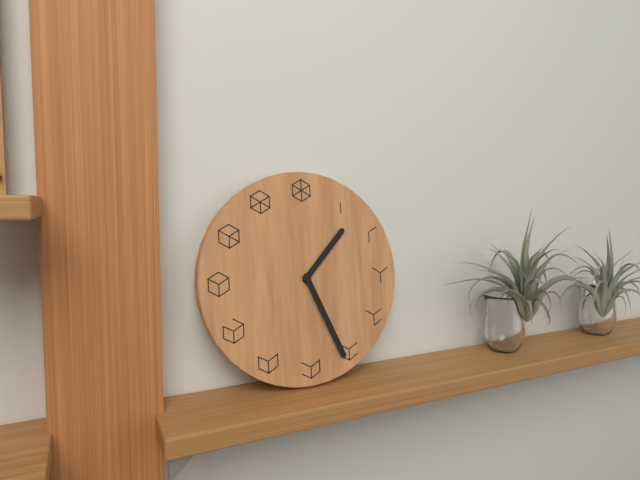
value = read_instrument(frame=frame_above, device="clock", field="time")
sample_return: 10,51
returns 1,26
